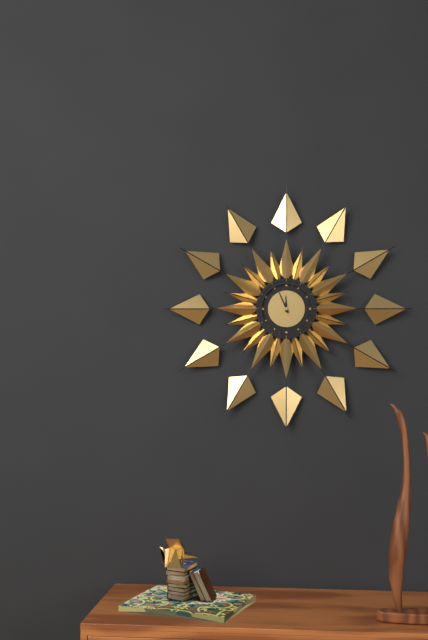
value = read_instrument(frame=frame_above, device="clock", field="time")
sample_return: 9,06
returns 11,56
